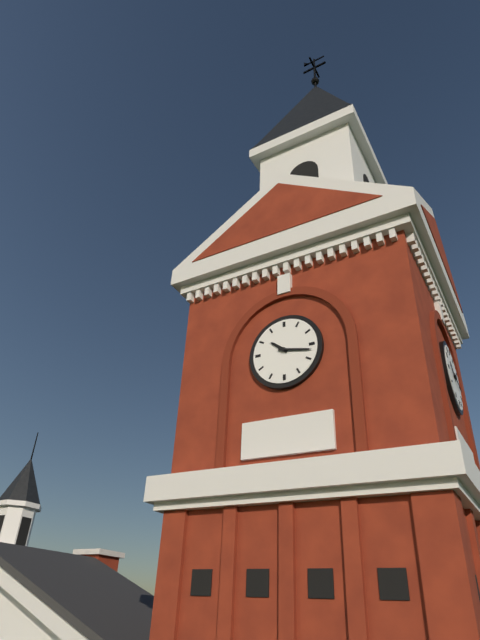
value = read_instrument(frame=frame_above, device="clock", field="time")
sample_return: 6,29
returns 10,17
